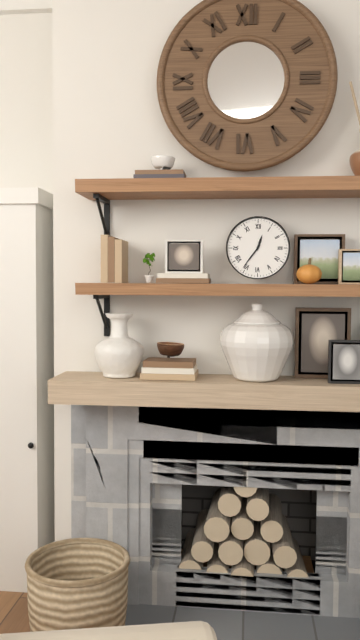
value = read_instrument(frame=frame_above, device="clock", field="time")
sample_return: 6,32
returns 12,36
